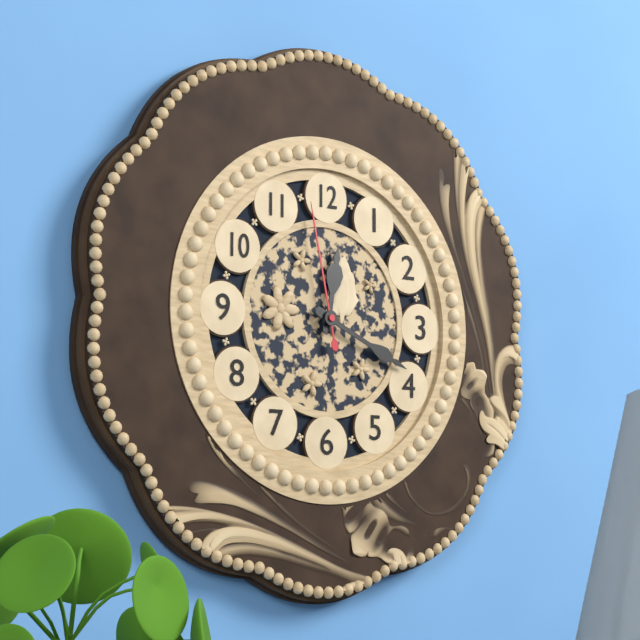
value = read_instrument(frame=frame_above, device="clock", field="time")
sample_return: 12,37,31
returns 12,19,58
